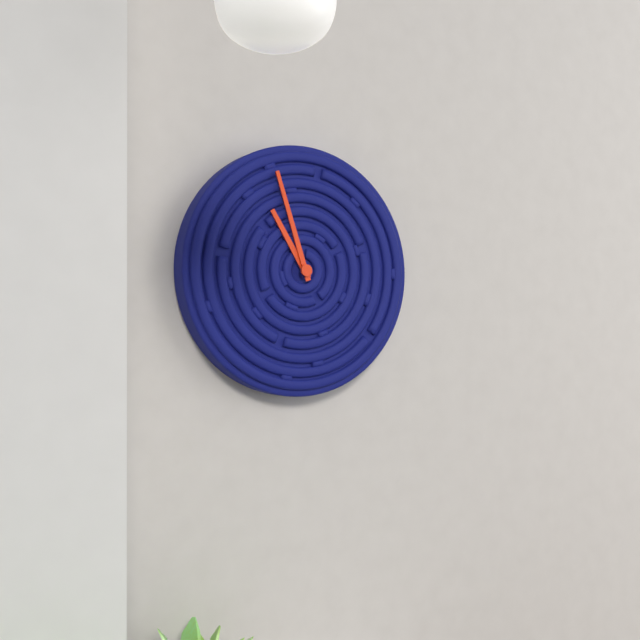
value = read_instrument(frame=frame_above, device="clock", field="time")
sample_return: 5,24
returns 10,57
